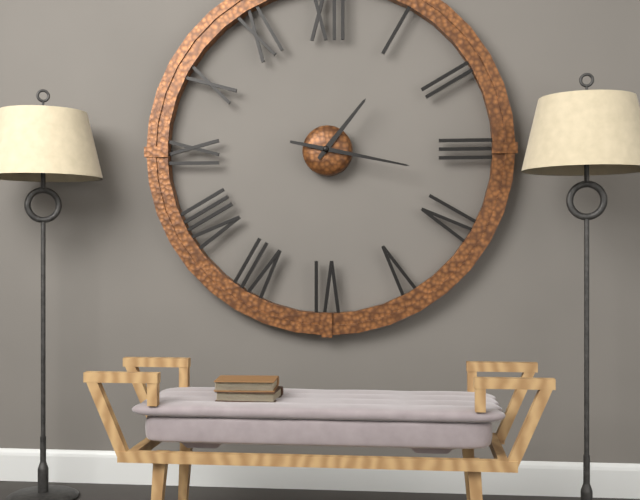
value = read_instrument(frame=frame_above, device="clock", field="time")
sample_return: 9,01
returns 1,17
